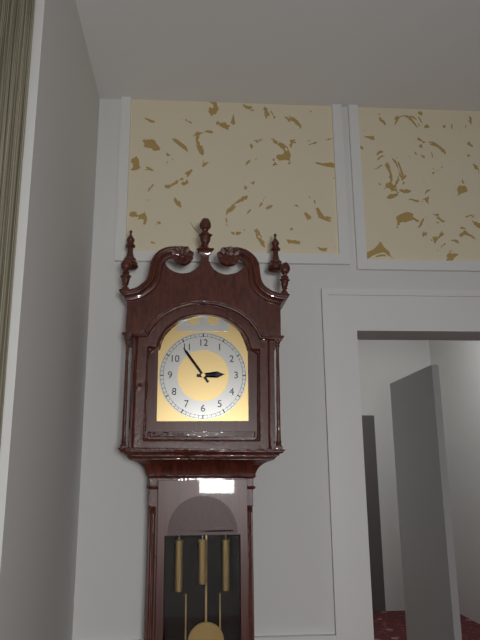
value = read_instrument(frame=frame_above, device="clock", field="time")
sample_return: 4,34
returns 2,54
